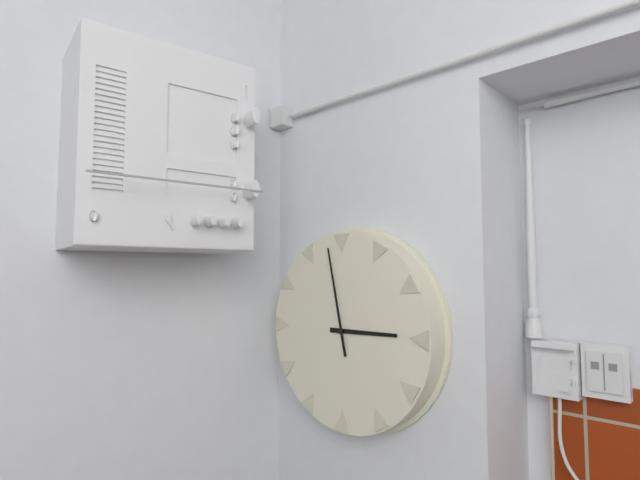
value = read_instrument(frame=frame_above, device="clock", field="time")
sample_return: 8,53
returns 2,58
